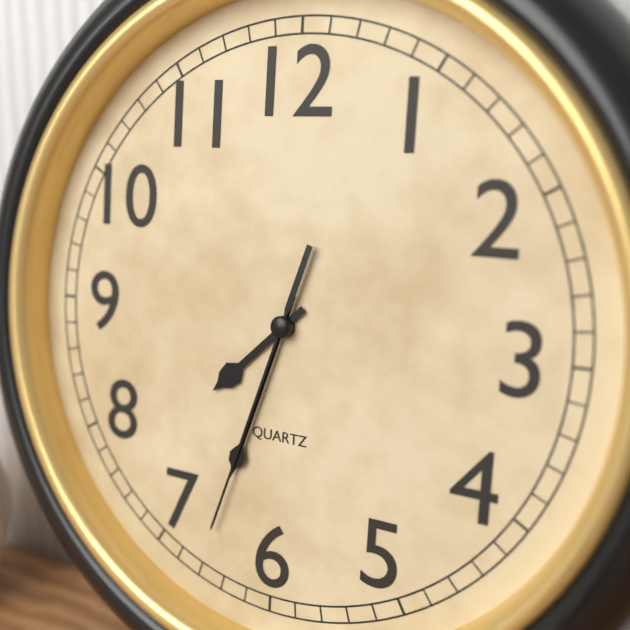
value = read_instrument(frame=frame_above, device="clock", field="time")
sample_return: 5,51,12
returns 7,33,33
